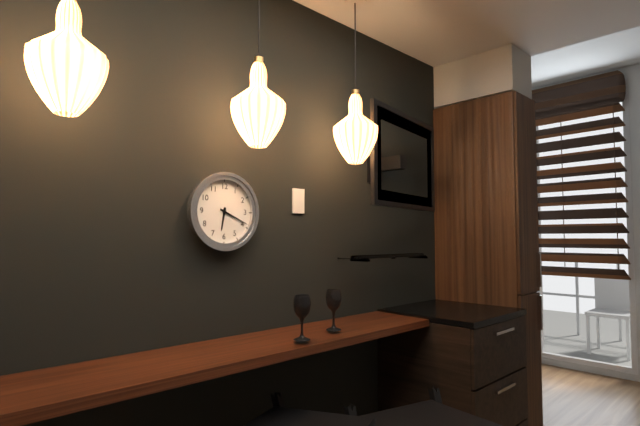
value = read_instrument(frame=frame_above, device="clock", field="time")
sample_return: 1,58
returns 6,19
